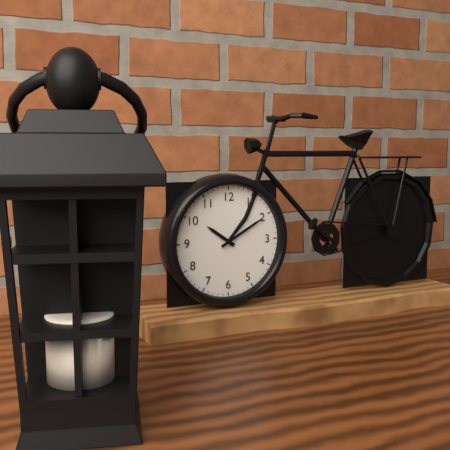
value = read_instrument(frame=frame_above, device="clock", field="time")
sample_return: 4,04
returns 10,10
